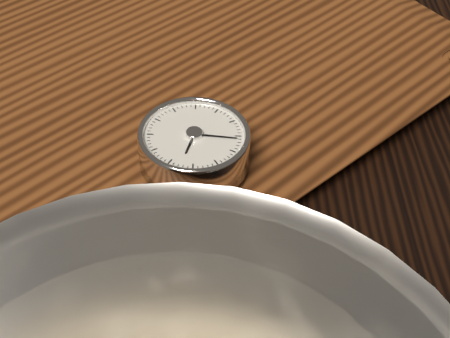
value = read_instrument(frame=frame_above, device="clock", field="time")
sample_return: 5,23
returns 9,31
